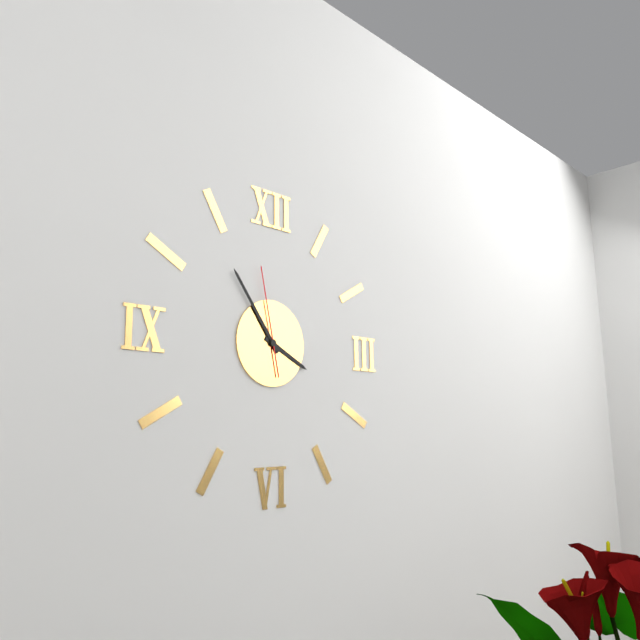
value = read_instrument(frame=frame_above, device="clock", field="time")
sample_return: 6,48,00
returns 3,54,58
